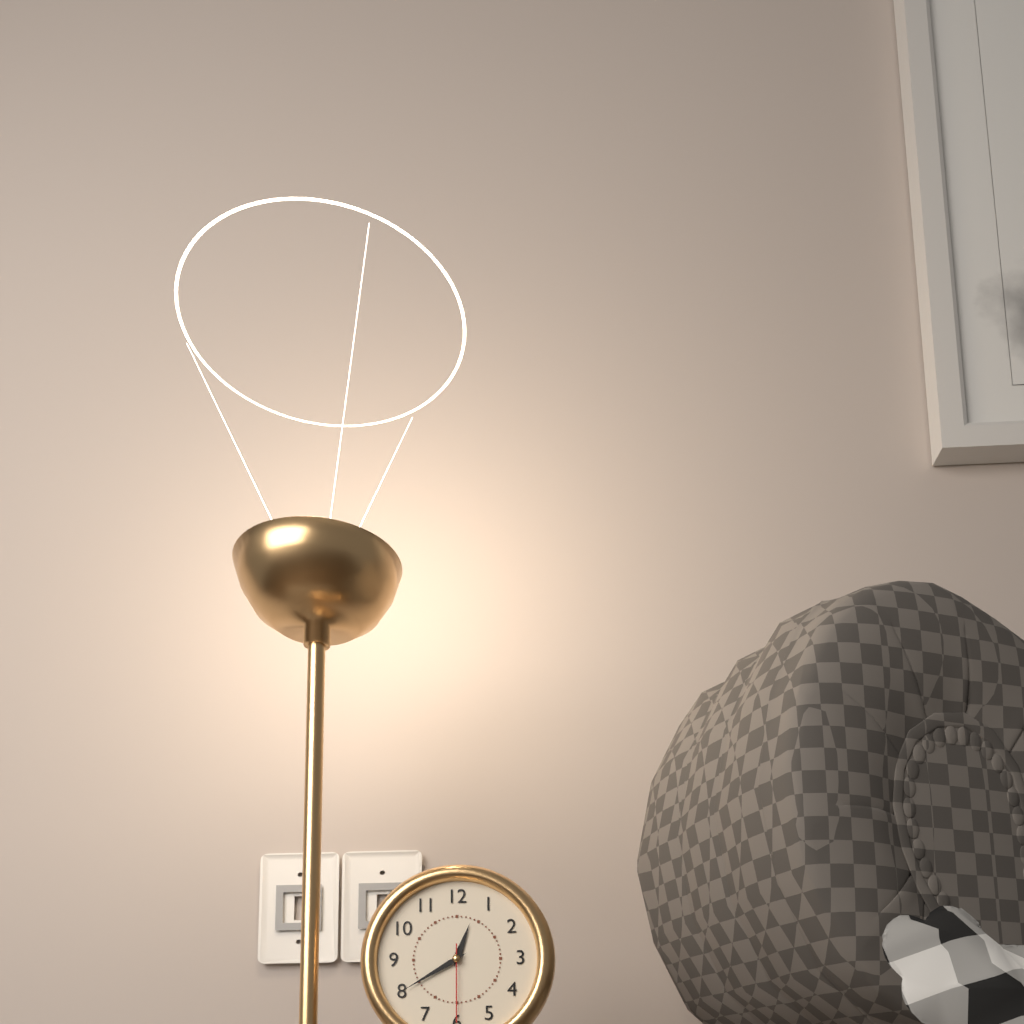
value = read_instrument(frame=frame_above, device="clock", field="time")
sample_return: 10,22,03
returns 12,40,30
